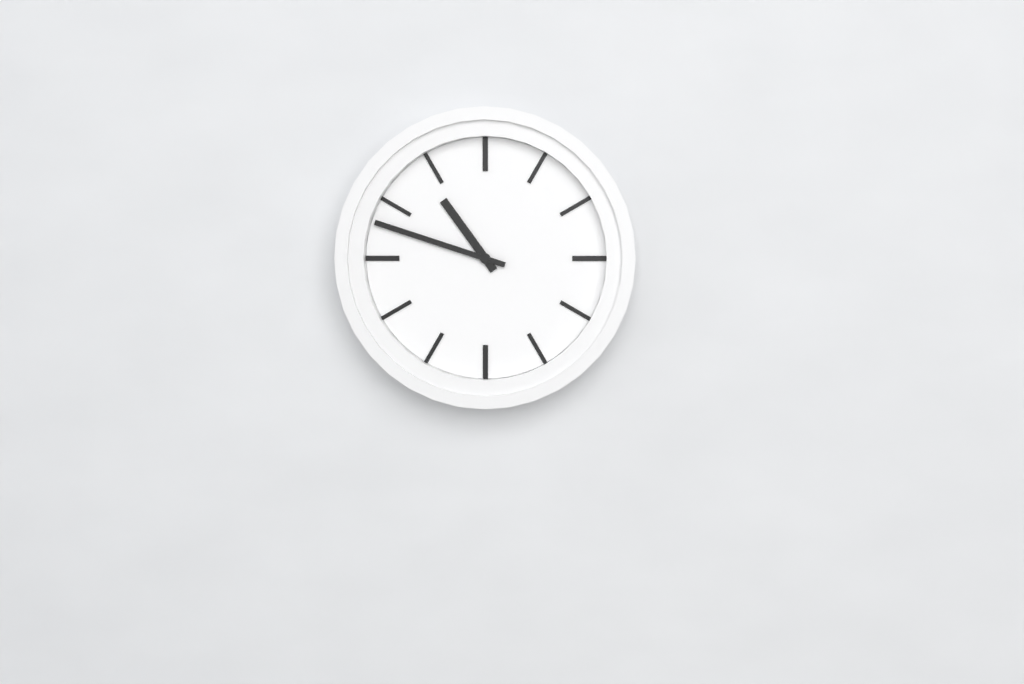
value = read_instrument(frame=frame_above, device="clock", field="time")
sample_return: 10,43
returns 10,48
